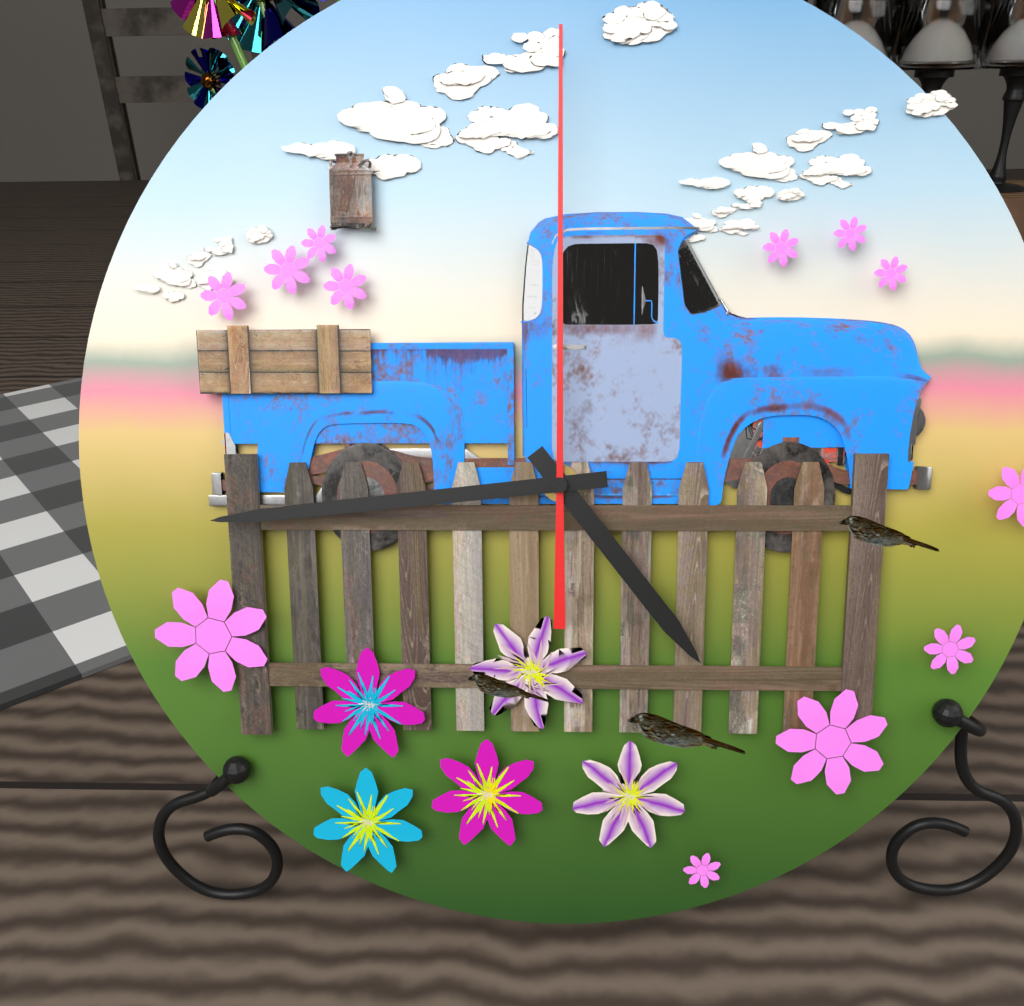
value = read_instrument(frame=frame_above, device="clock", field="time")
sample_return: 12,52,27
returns 4,44,00
